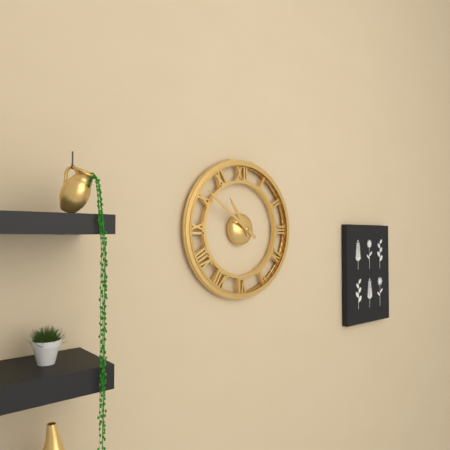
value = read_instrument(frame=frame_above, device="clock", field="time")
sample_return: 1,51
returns 10,51
